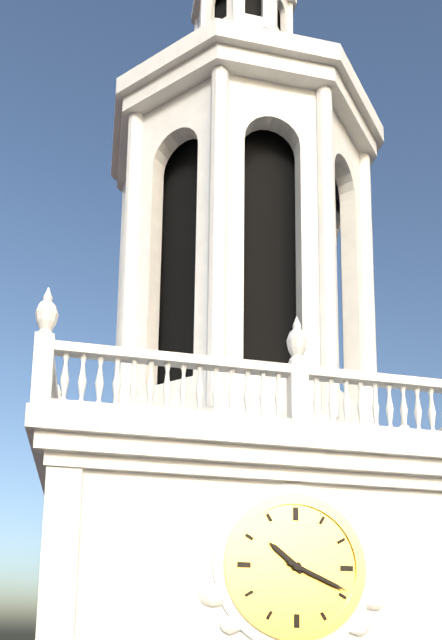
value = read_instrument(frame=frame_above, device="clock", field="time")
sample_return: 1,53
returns 10,19
